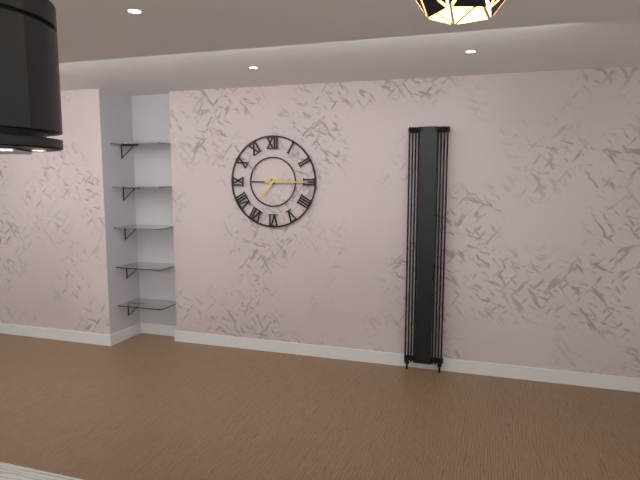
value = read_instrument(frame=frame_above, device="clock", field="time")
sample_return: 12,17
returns 7,15
